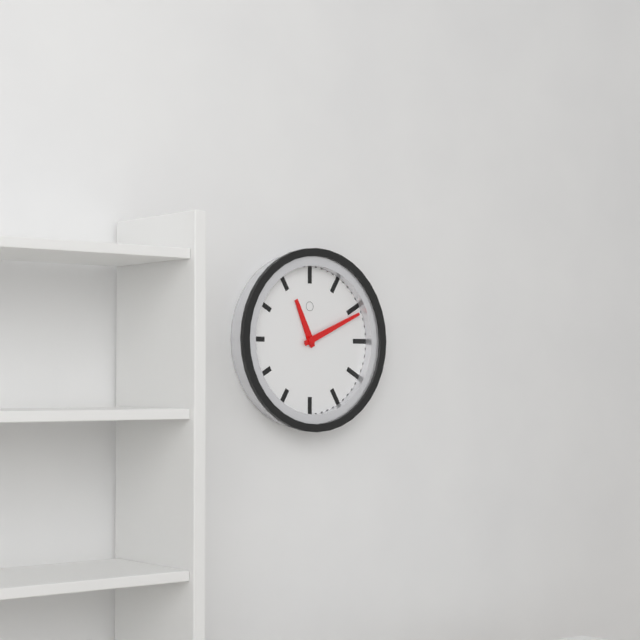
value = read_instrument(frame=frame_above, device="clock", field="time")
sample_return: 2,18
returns 11,11
